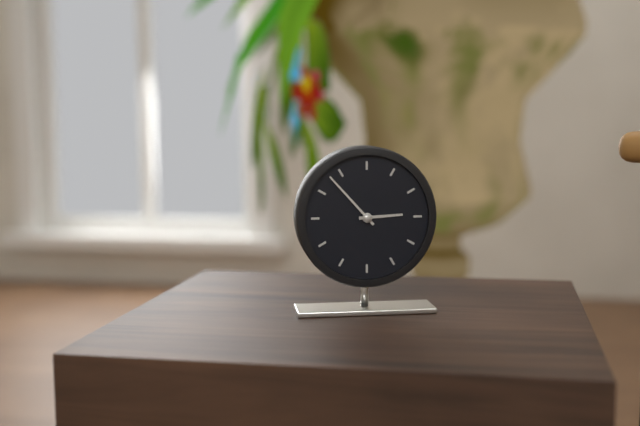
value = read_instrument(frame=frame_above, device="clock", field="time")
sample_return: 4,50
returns 2,53
